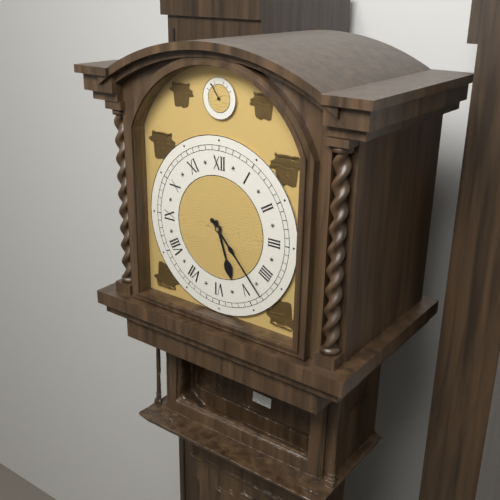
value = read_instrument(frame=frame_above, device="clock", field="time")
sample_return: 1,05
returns 5,23
